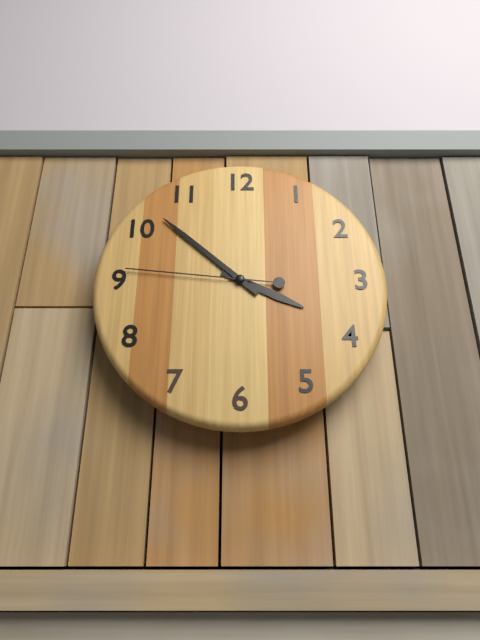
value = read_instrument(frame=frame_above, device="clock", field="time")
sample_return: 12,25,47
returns 3,52,46
